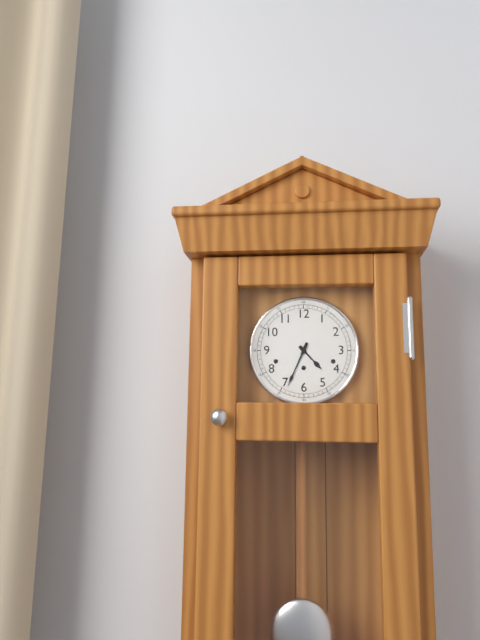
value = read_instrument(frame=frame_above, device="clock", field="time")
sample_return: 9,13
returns 4,34
